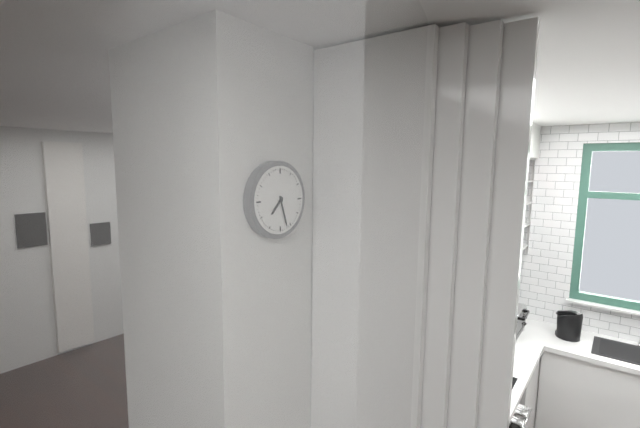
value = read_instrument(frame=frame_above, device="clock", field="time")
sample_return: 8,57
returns 7,27
